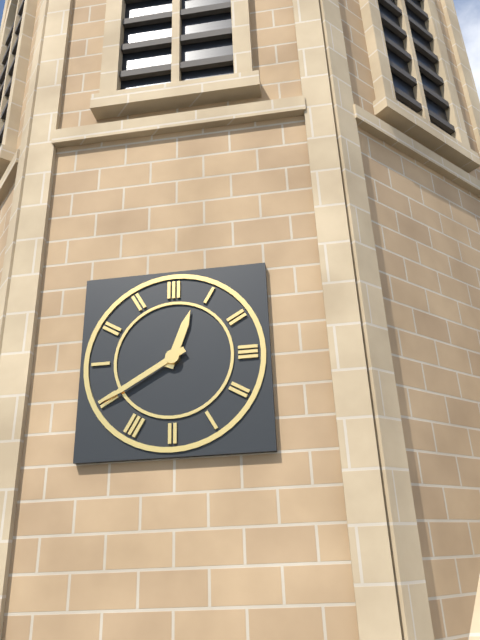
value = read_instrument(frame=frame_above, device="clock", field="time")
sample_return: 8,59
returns 12,40
